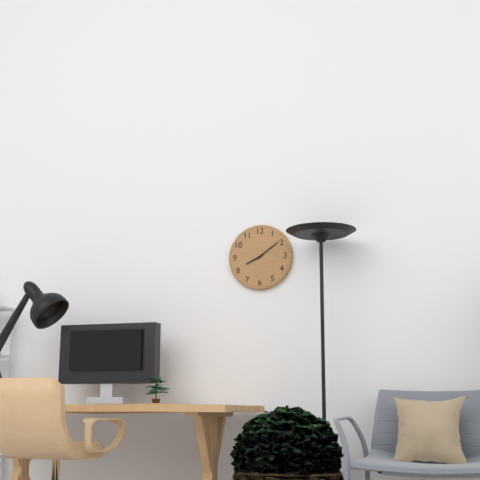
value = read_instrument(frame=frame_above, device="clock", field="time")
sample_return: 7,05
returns 8,09
